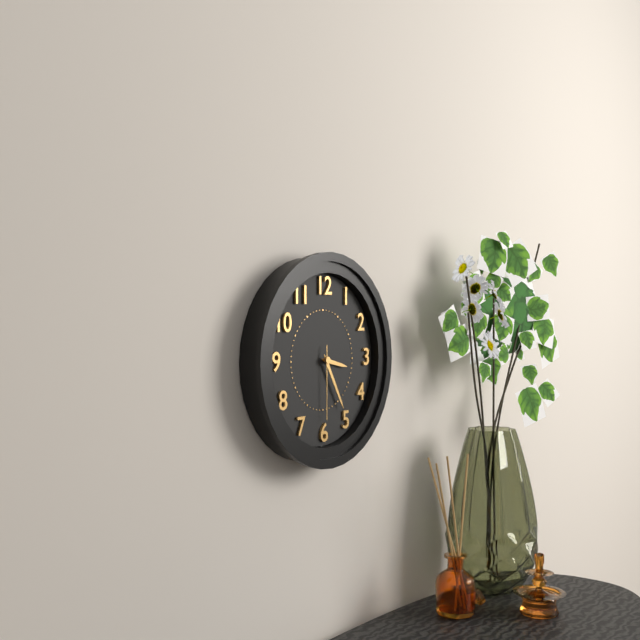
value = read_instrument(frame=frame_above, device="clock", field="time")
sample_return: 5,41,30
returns 3,25,30
